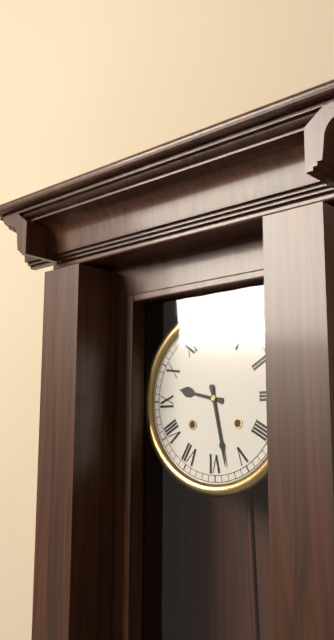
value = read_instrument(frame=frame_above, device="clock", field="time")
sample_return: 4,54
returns 9,28
